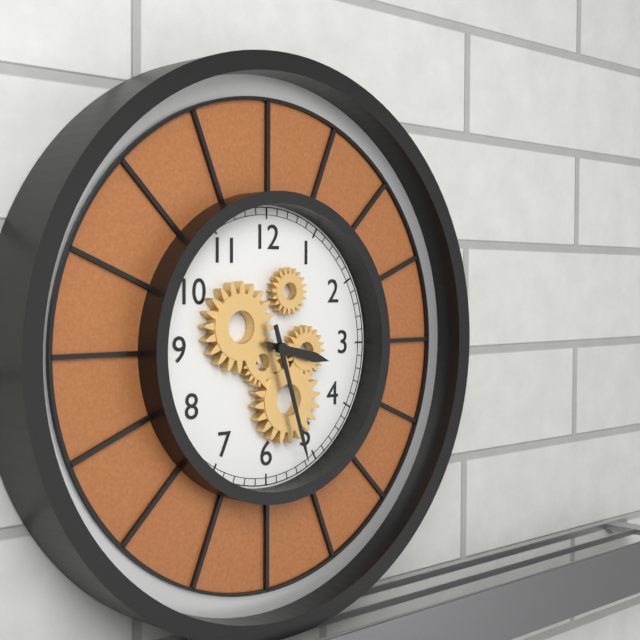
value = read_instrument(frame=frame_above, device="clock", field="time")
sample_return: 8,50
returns 3,27
